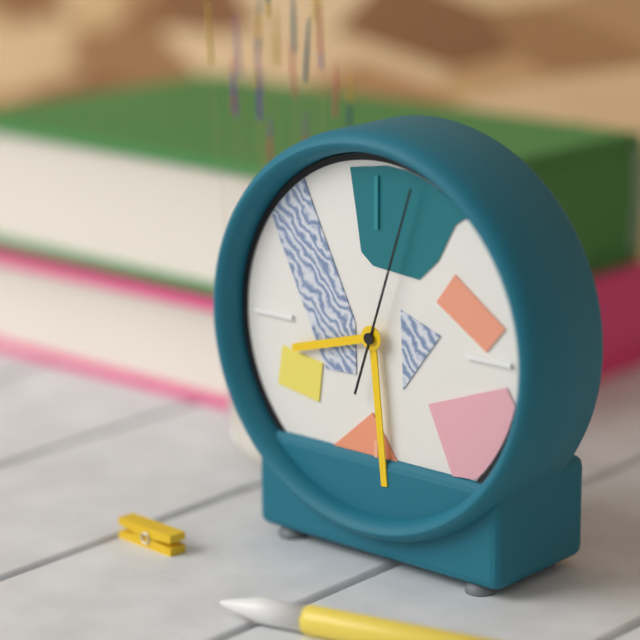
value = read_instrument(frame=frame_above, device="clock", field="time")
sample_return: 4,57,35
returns 8,29,03
